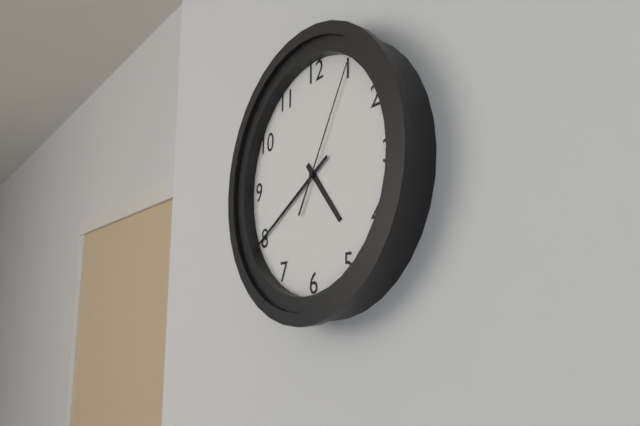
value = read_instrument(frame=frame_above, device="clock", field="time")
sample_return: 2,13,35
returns 4,40,05
